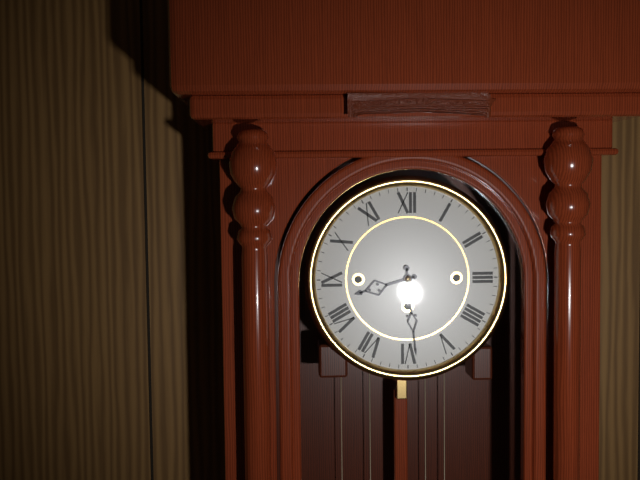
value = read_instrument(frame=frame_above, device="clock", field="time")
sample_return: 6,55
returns 8,29
